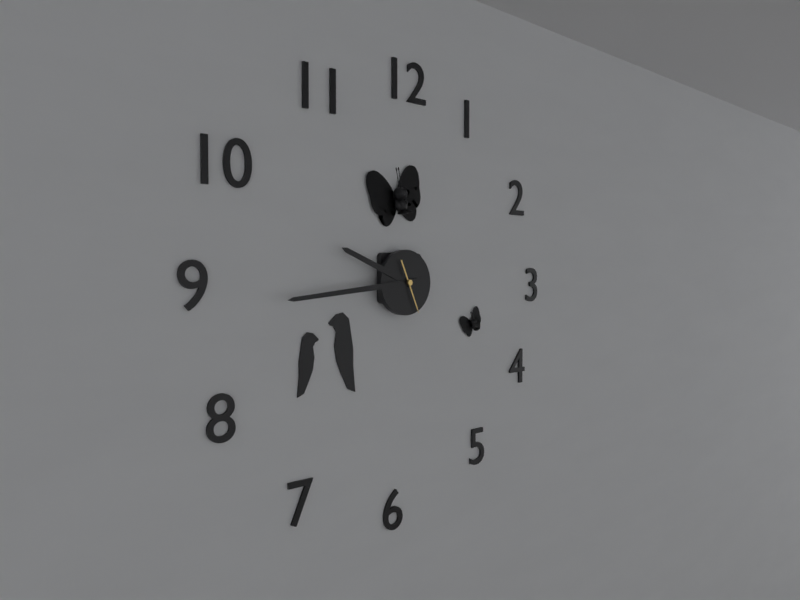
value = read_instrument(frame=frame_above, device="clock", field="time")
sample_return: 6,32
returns 9,44
